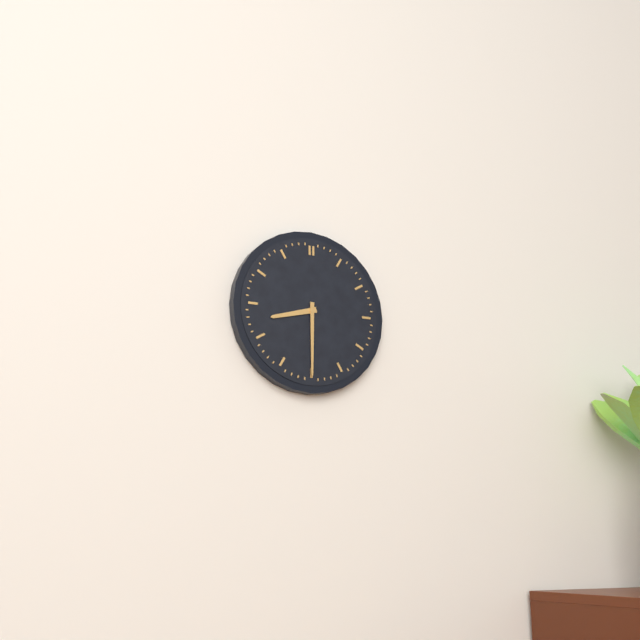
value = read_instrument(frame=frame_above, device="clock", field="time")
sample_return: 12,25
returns 8,30
